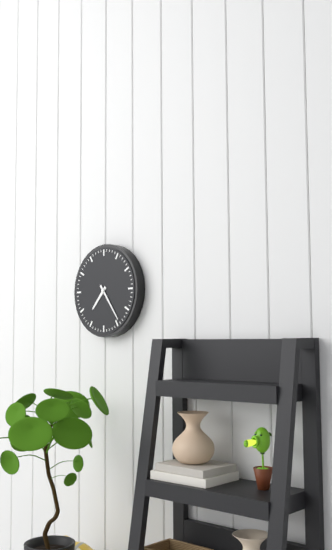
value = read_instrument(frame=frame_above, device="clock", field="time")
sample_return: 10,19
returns 7,24
